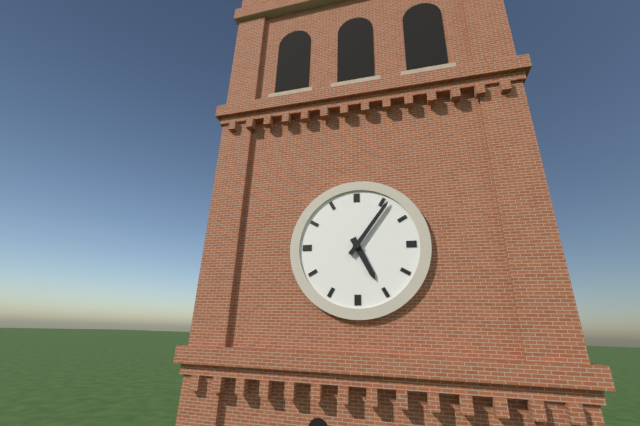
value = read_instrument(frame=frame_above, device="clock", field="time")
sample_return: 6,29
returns 5,06
